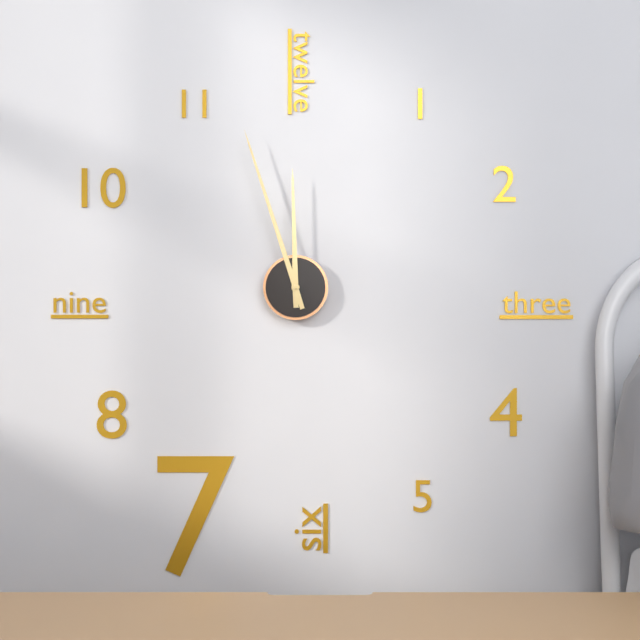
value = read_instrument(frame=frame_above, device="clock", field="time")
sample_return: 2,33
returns 11,57
